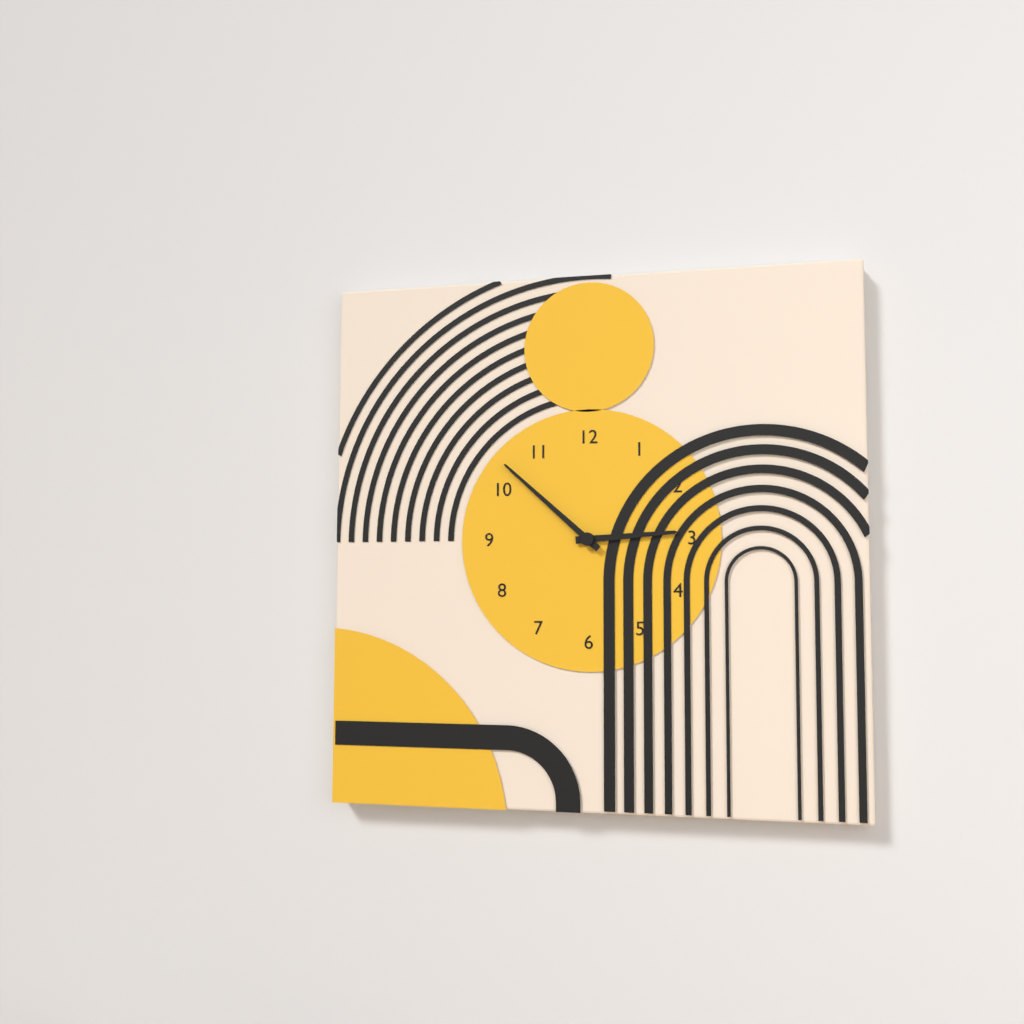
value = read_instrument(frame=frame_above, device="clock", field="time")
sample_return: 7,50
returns 2,52
